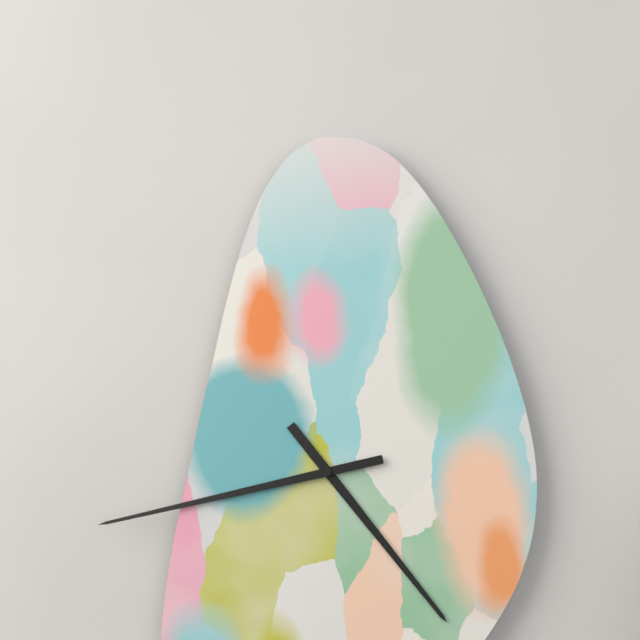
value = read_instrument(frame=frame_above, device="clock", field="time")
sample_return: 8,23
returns 4,43
